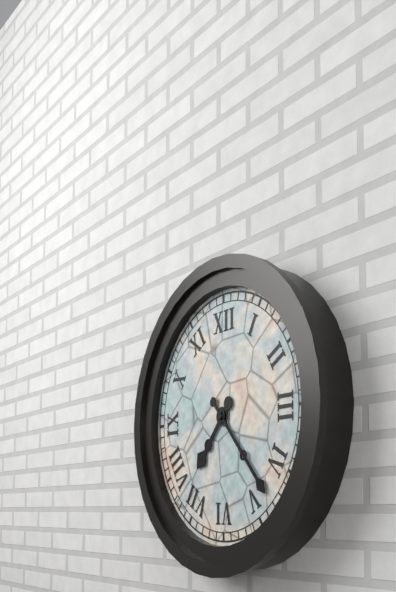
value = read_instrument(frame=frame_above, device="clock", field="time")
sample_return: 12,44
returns 7,23
